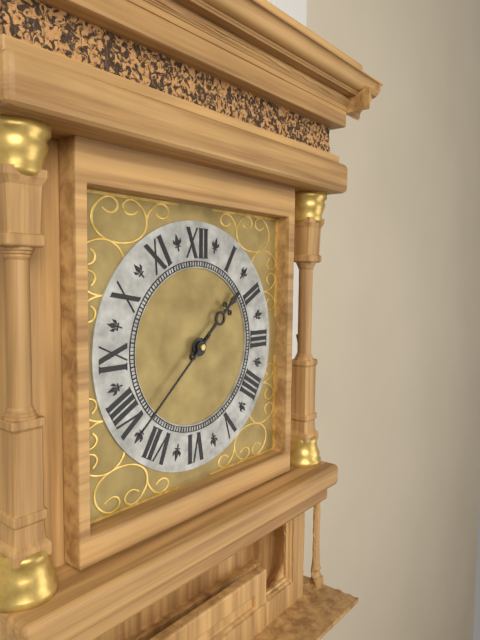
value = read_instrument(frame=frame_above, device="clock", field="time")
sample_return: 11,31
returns 1,38
